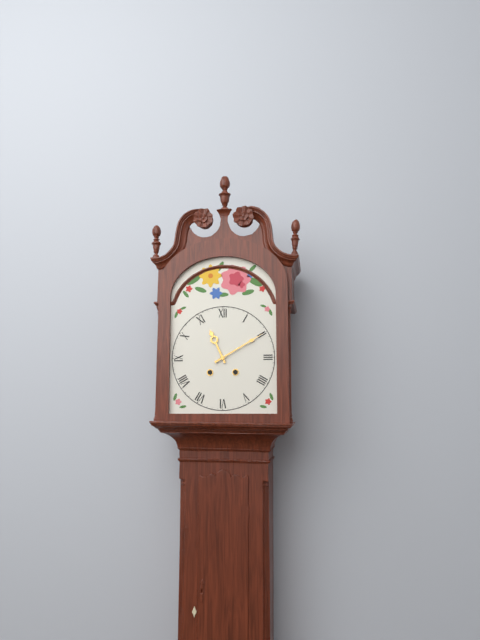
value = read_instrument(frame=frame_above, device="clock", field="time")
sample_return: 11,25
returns 11,10
